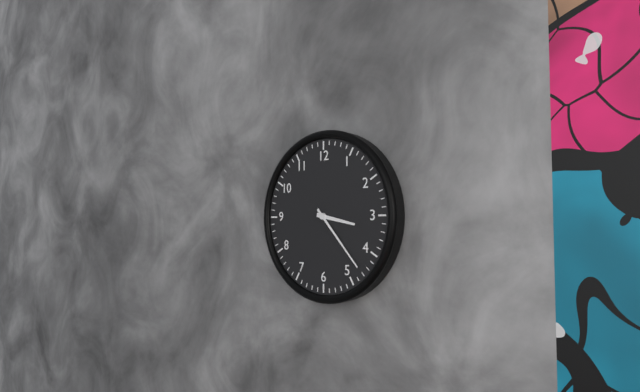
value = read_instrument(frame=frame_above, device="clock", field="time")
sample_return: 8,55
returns 3,23
